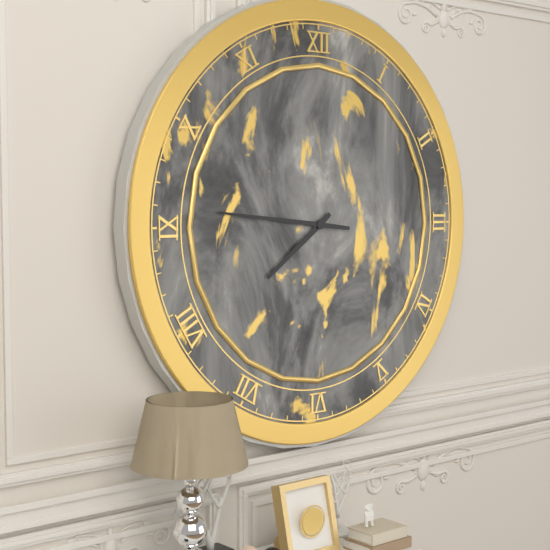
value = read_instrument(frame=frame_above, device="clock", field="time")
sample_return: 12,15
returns 7,46
